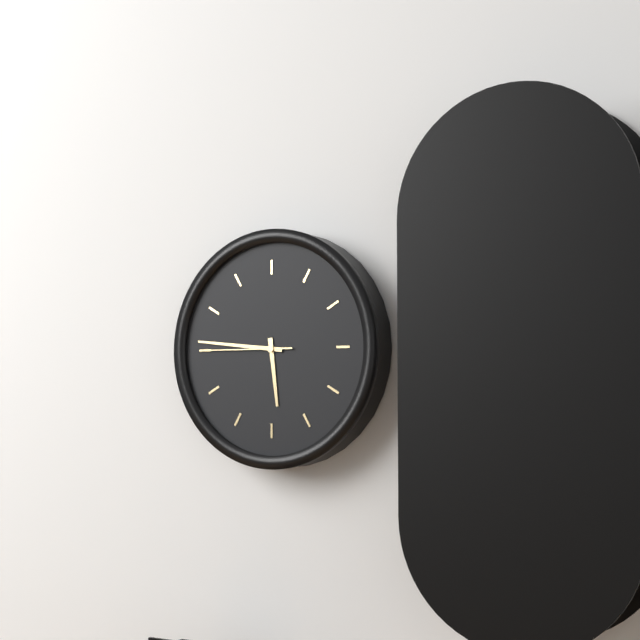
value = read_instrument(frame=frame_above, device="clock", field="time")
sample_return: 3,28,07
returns 5,46,45
